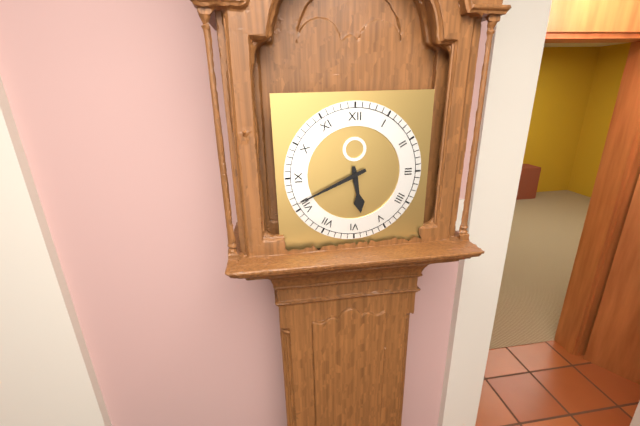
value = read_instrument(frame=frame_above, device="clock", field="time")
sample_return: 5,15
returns 5,41
